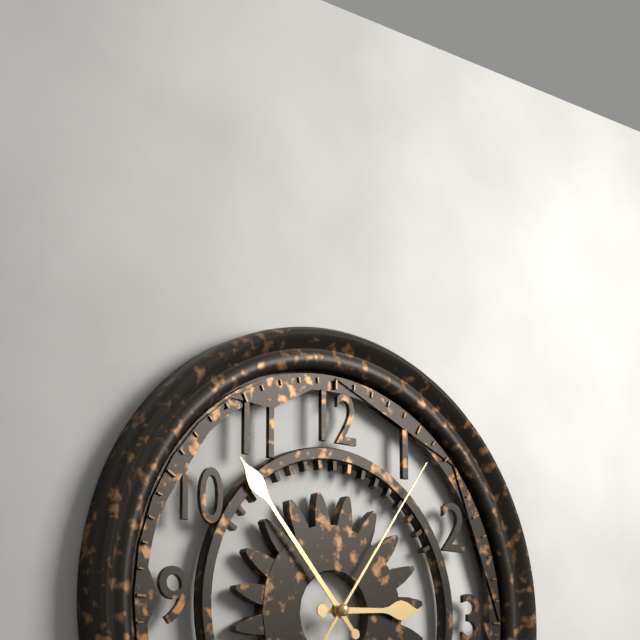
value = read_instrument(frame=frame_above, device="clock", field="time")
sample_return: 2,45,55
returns 2,53,06
